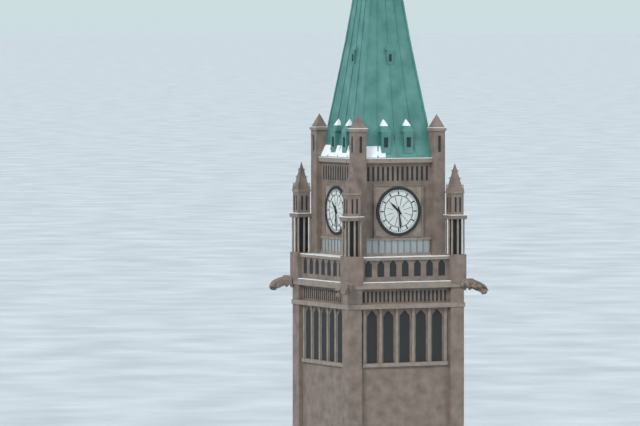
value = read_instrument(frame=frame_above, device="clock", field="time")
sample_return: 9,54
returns 10,29
